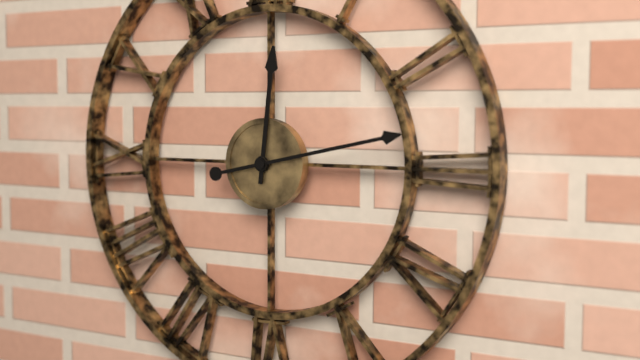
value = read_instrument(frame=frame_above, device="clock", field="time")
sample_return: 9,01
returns 12,13
